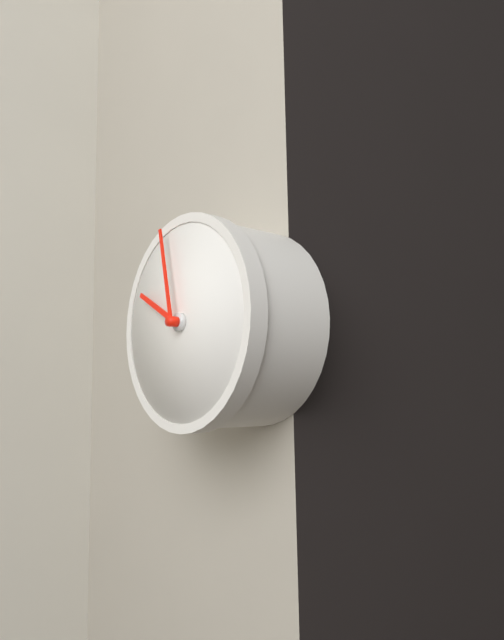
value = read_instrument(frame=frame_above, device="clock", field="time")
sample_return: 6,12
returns 9,58
